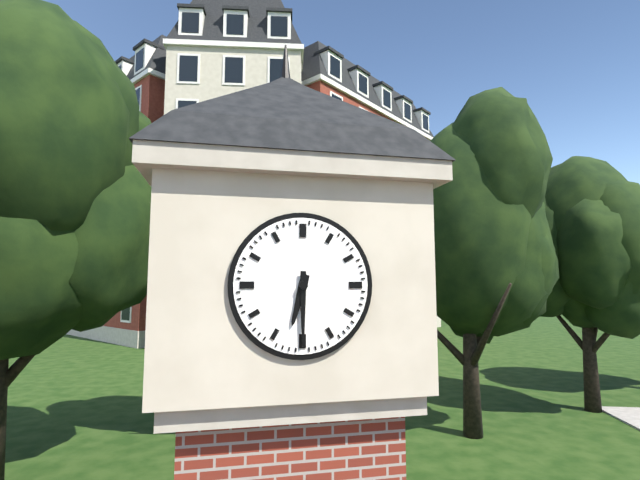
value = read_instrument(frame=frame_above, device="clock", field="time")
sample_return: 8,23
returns 6,30
